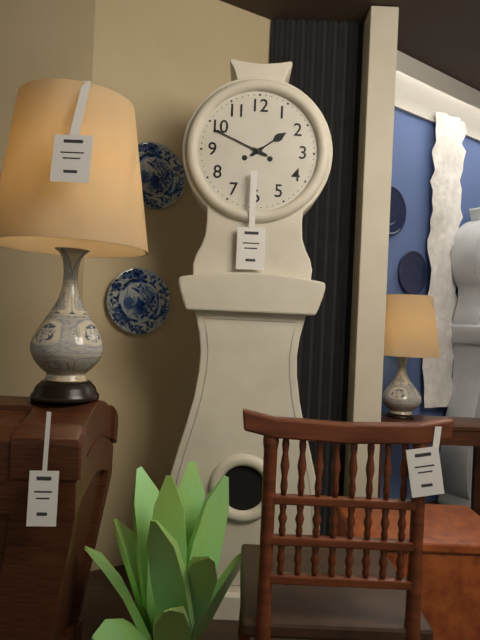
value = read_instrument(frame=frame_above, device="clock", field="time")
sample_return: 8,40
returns 1,49
